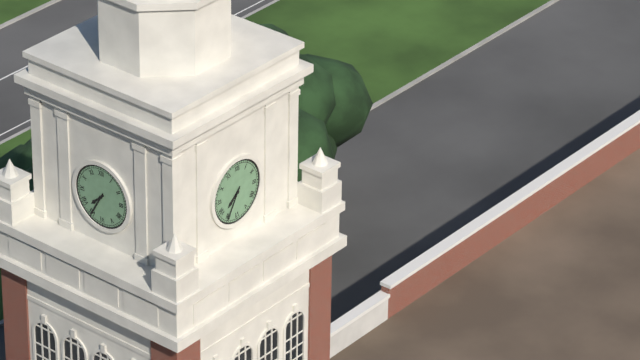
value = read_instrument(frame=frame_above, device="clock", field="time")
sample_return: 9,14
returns 7,35
